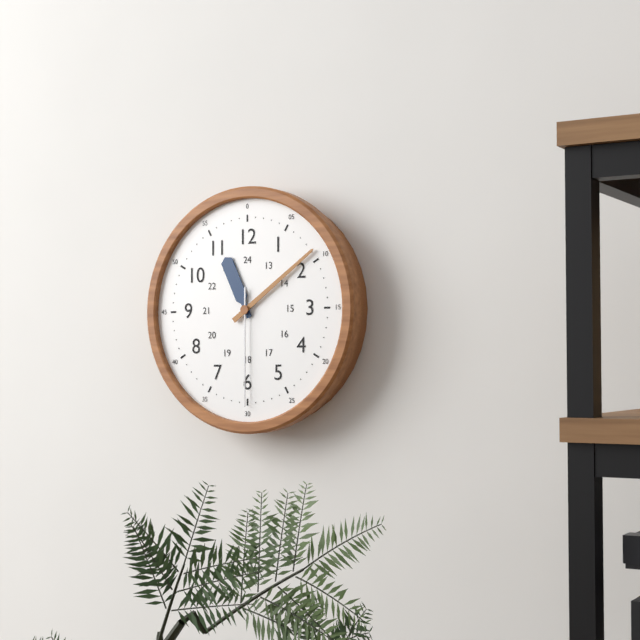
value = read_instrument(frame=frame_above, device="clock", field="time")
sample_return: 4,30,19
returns 11,09,30
